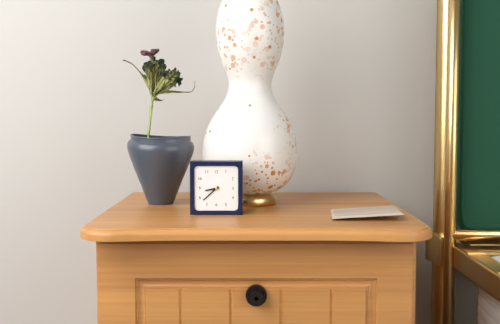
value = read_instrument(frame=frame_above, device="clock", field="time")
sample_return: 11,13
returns 8,38
